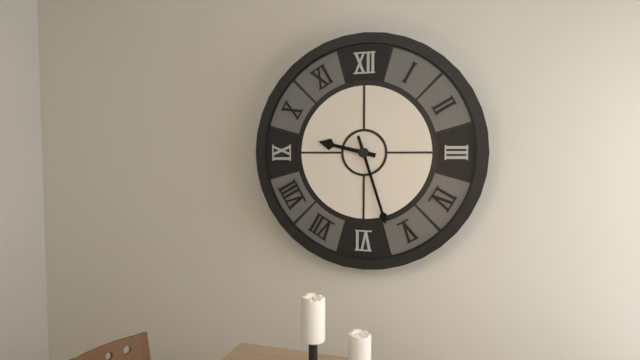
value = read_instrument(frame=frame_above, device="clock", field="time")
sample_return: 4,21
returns 9,27
